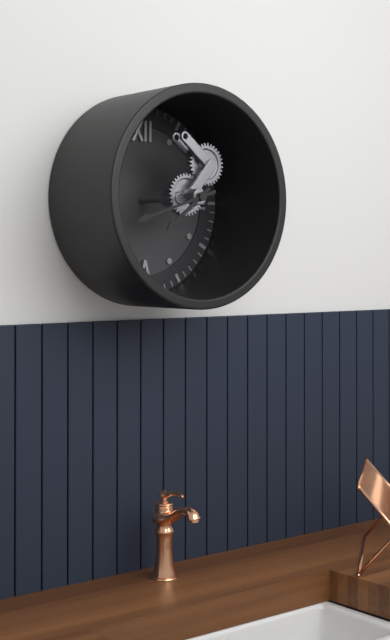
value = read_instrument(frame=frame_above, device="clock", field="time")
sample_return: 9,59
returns 7,42
